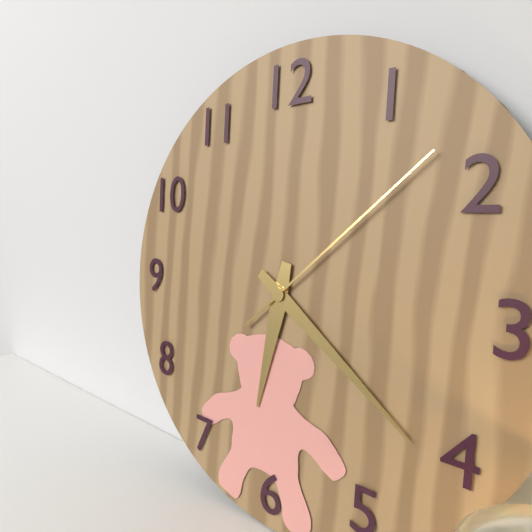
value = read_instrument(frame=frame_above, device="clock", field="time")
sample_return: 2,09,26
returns 6,21,08
